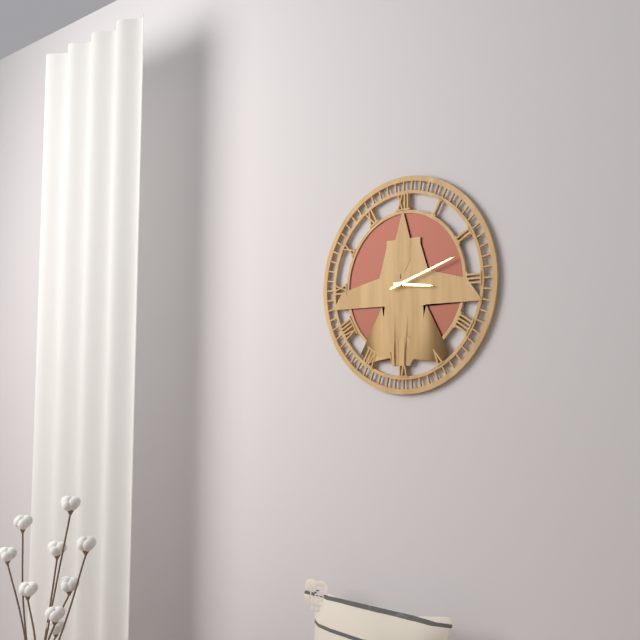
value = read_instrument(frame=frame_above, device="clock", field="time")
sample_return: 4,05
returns 3,12
